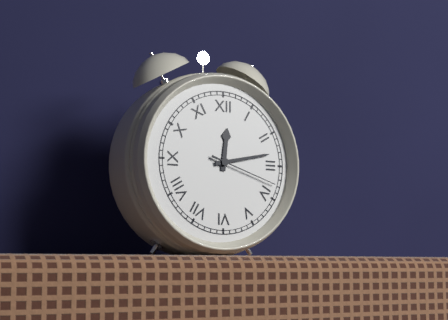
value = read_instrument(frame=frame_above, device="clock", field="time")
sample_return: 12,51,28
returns 12,13,18
